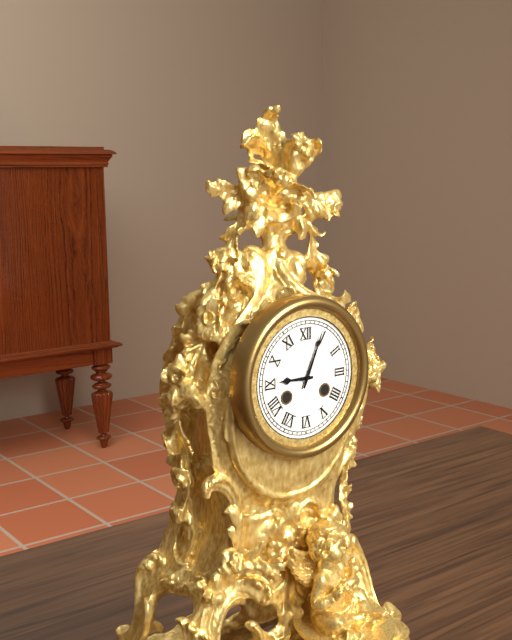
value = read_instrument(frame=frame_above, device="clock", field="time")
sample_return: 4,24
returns 9,04
